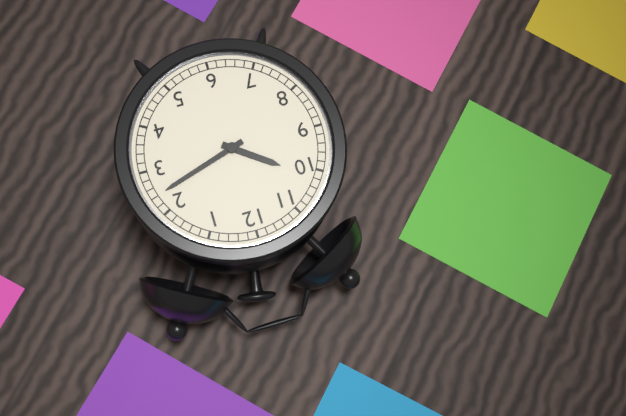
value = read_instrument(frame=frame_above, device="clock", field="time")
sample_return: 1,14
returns 10,12
